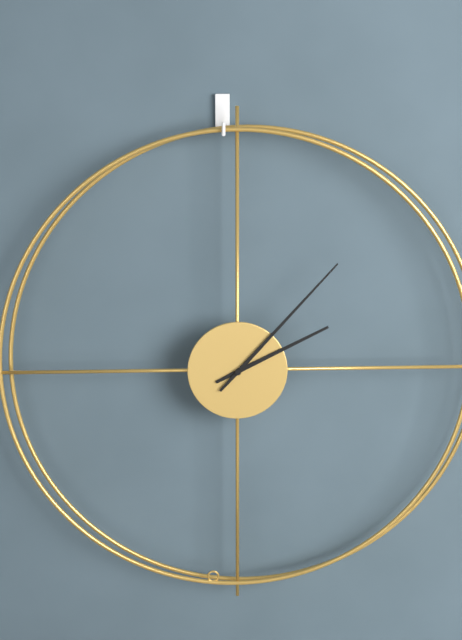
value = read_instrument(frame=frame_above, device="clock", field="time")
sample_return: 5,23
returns 2,07
